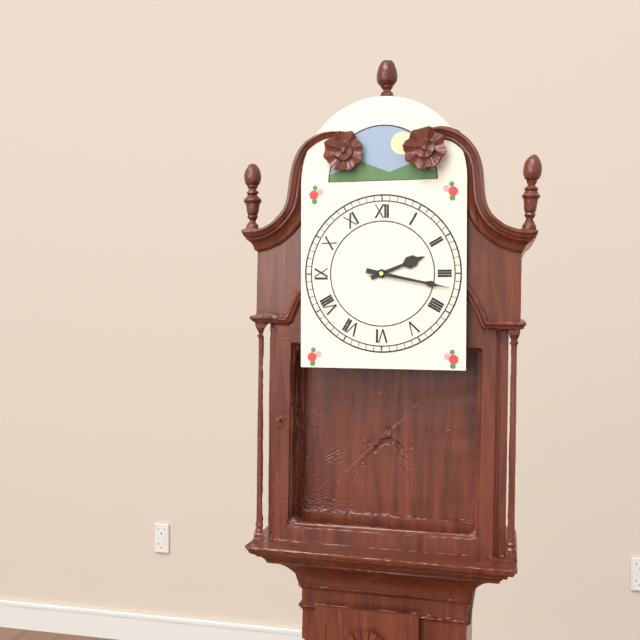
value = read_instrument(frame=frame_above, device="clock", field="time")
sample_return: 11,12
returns 2,17
